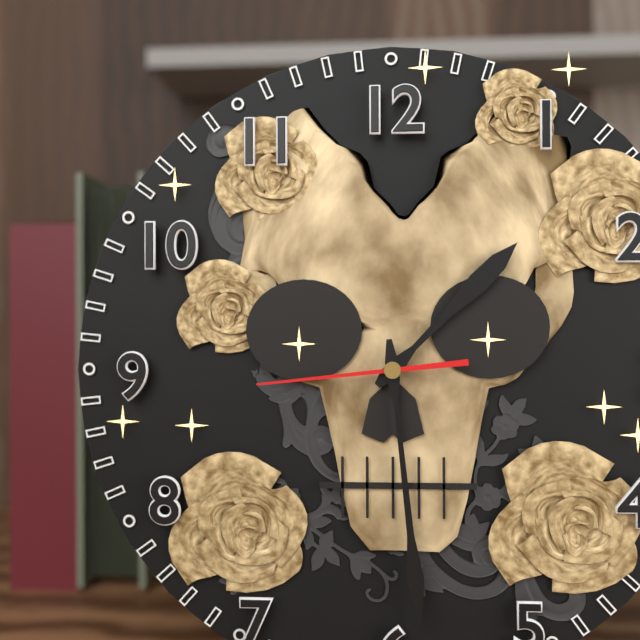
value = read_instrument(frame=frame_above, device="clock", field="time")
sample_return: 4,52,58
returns 1,29,44
